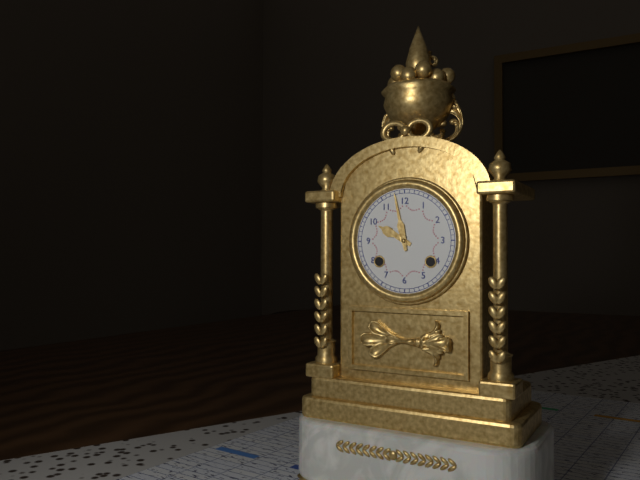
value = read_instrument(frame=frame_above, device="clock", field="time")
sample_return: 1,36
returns 9,58
